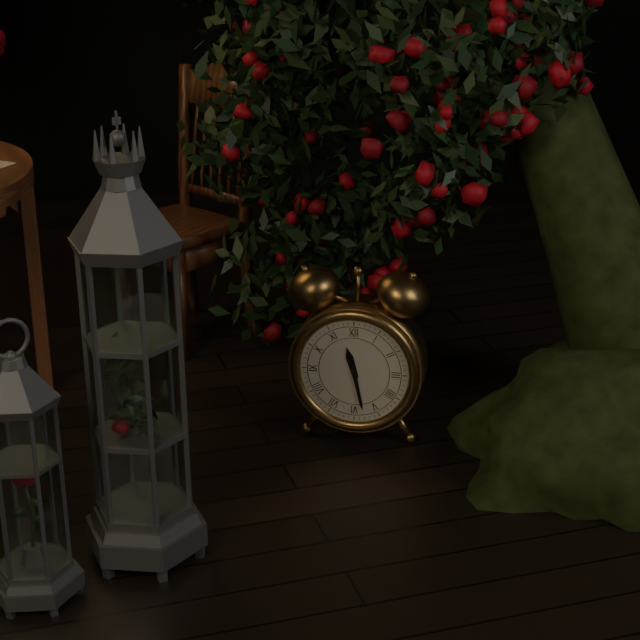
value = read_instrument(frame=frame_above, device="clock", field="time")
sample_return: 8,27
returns 11,28
